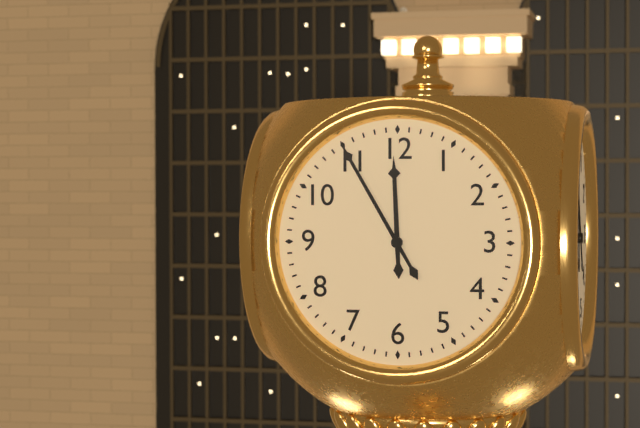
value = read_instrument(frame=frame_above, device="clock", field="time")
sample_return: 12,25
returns 11,55
